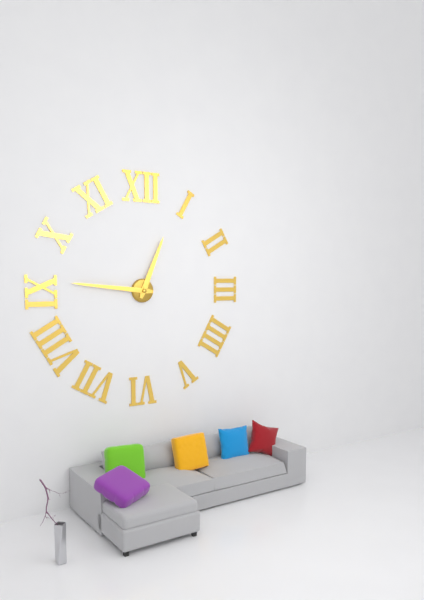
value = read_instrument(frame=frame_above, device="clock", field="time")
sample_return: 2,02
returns 12,46
